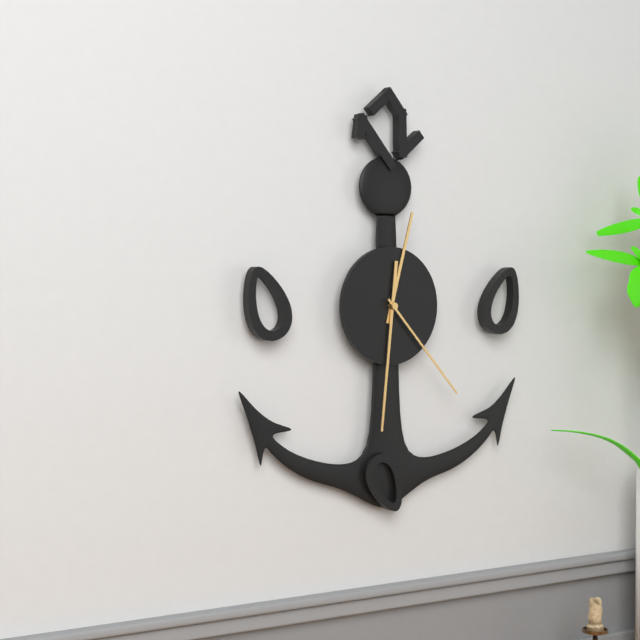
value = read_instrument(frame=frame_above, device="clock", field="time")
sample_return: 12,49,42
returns 12,31,23
